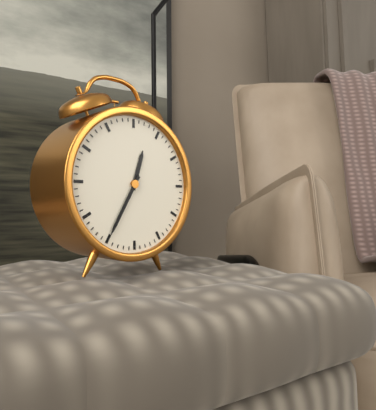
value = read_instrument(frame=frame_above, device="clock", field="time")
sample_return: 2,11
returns 12,35
